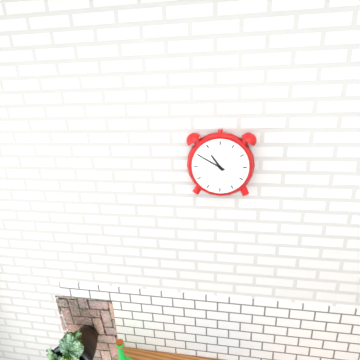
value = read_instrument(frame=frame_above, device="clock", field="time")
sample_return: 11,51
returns 10,50
